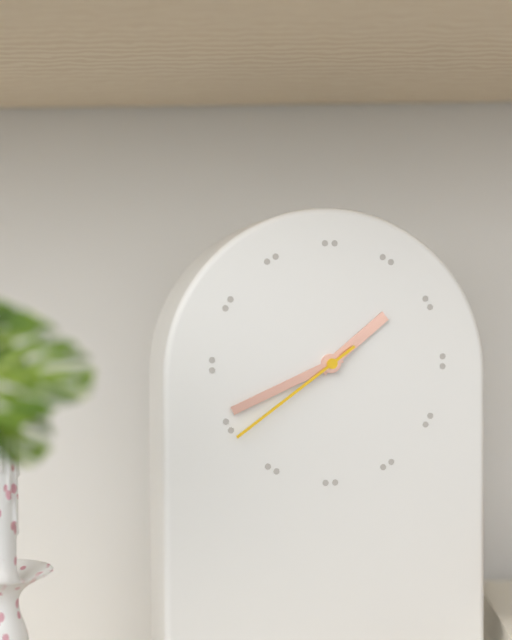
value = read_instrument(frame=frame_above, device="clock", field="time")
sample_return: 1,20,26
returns 1,41,39
